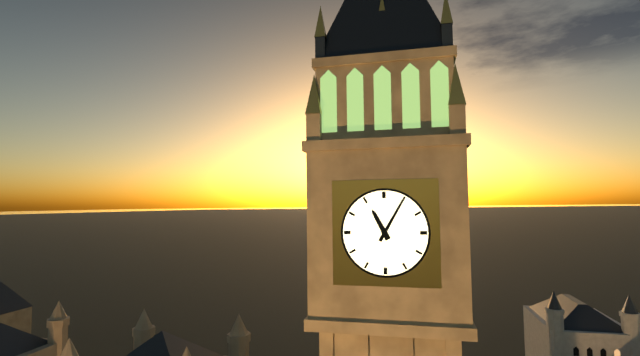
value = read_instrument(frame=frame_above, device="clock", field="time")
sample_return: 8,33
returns 11,05
